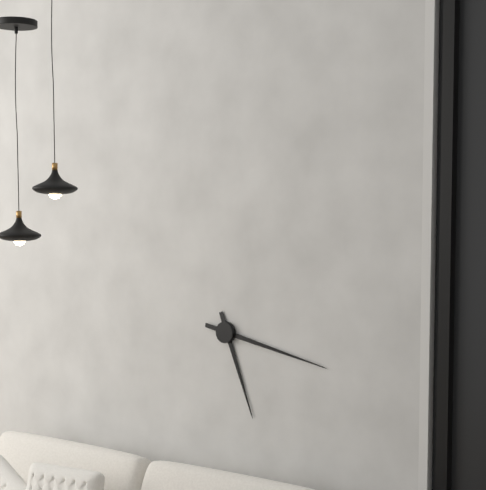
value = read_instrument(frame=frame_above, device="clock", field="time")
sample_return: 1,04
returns 5,17
